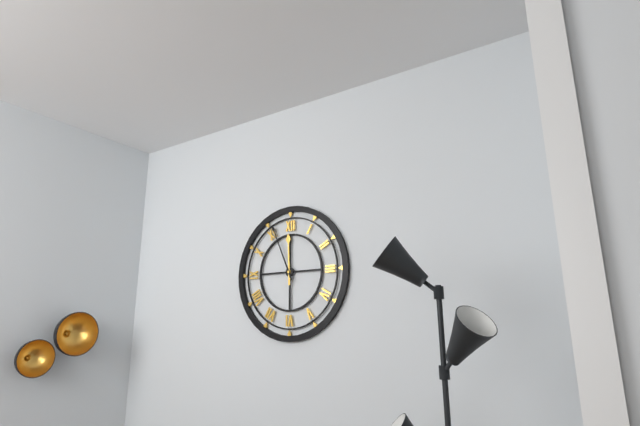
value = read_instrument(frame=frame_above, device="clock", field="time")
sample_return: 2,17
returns 11,56
